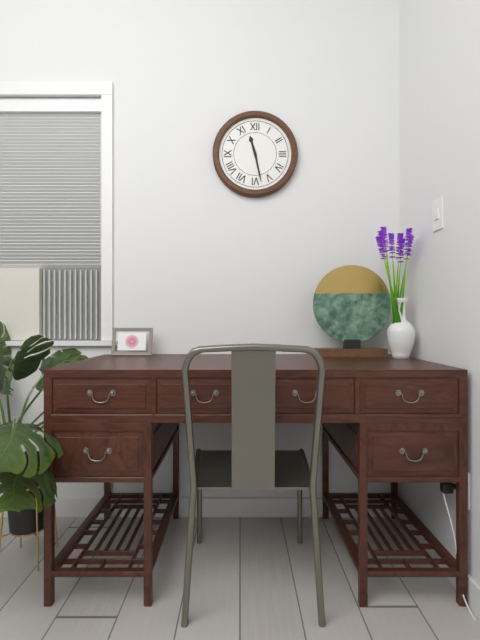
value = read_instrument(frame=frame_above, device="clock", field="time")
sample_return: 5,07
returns 11,28
